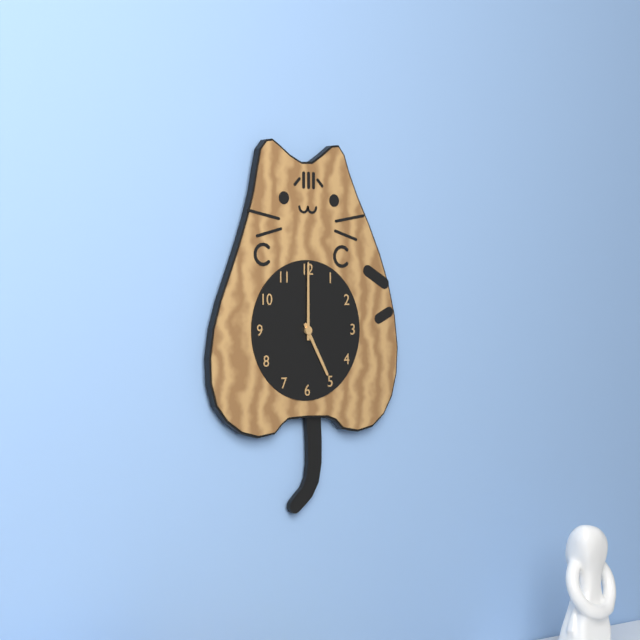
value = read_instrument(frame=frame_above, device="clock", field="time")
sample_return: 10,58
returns 5,00
